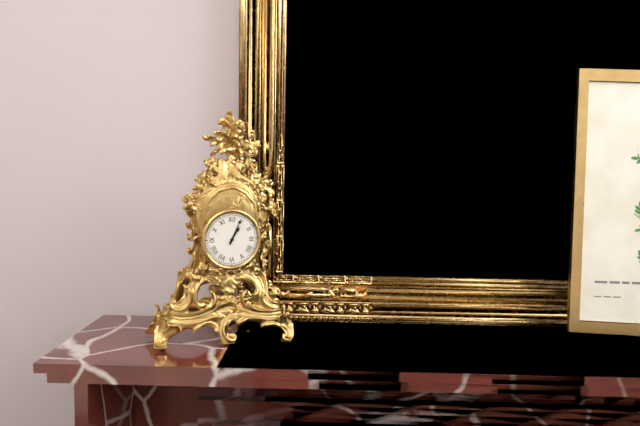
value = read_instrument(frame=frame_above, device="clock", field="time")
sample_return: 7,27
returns 1,04
